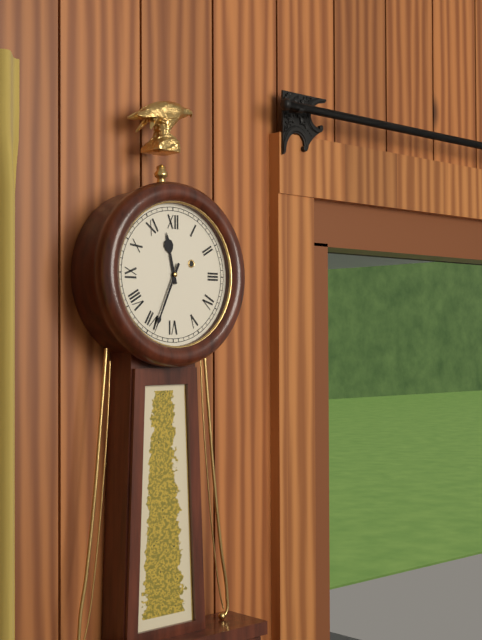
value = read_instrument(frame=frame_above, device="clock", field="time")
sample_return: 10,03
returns 11,34
